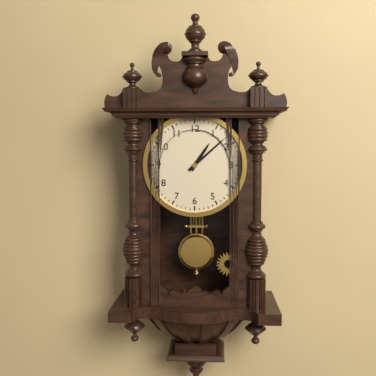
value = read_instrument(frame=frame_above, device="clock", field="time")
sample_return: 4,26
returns 1,08
